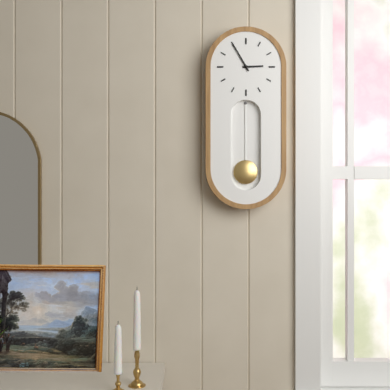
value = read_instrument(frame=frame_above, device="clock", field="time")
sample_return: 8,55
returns 2,55
